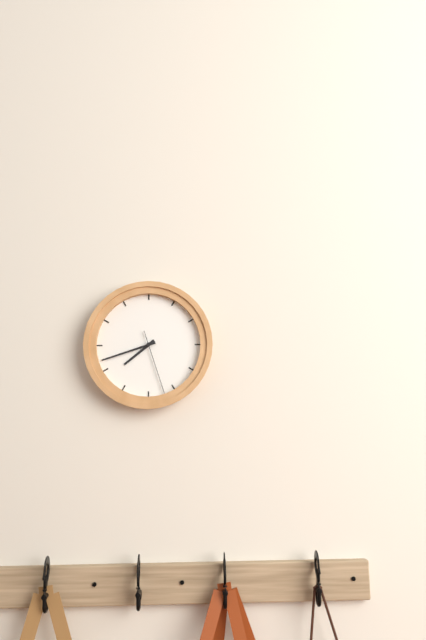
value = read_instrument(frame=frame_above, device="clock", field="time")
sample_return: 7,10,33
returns 7,42,27
